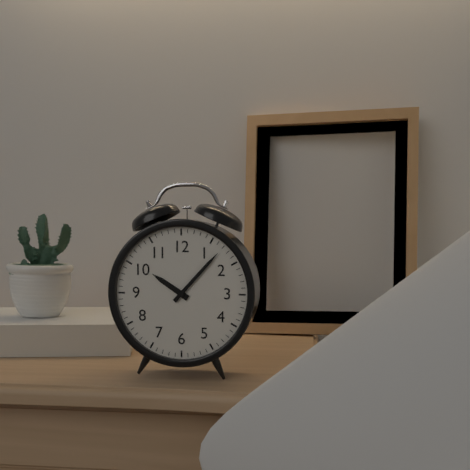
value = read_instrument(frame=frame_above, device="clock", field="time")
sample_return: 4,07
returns 10,07
